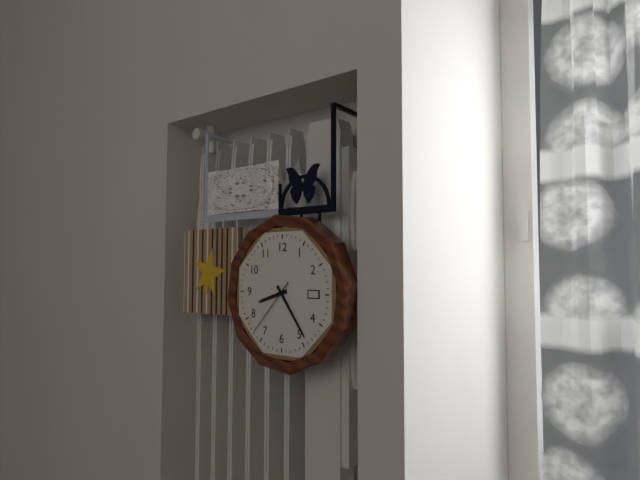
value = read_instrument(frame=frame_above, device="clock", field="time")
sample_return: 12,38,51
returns 8,24,37
